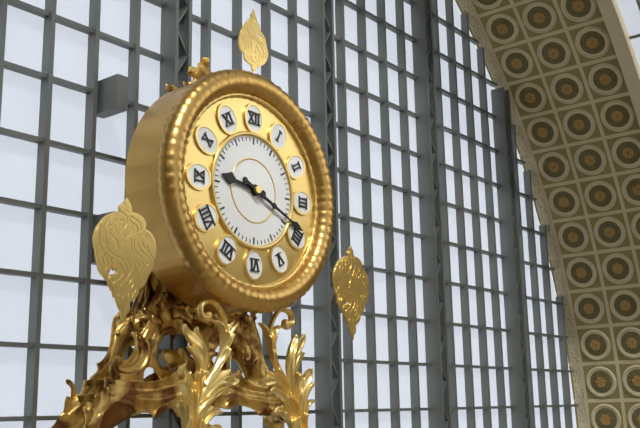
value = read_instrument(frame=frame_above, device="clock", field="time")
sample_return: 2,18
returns 9,19
